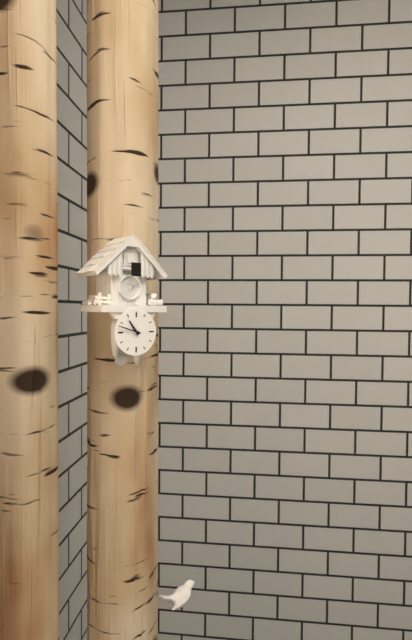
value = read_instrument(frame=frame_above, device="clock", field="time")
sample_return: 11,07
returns 10,48
